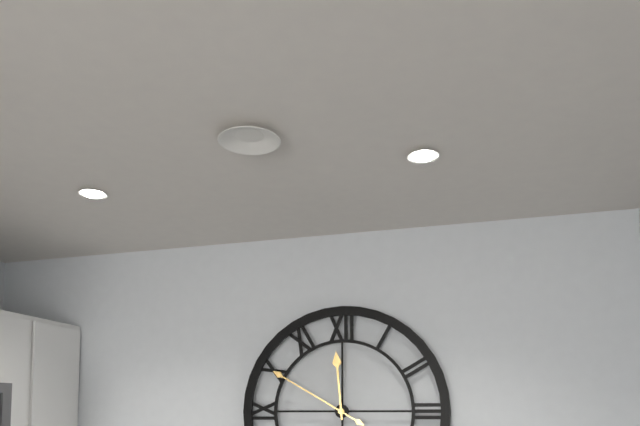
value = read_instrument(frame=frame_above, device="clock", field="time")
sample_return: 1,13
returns 11,50
